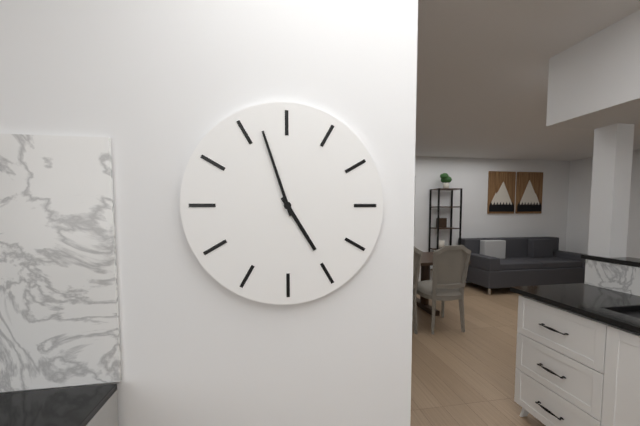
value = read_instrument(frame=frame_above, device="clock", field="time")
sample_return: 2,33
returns 4,57
